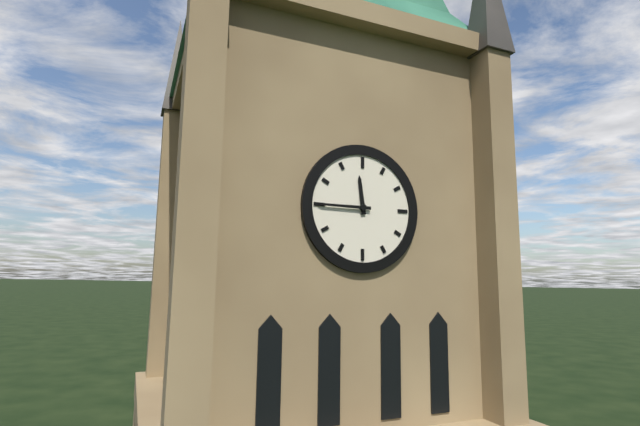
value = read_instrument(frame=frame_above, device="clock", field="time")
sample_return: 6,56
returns 11,45
